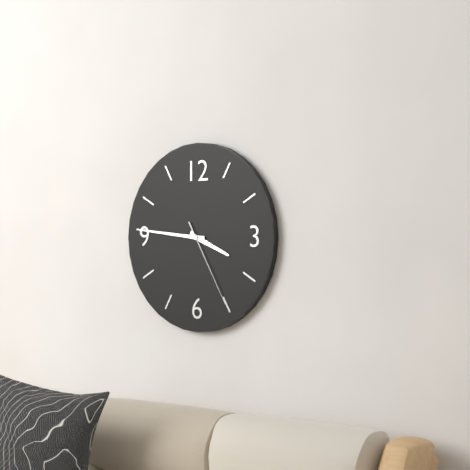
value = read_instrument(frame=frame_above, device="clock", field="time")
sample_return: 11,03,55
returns 3,46,25
